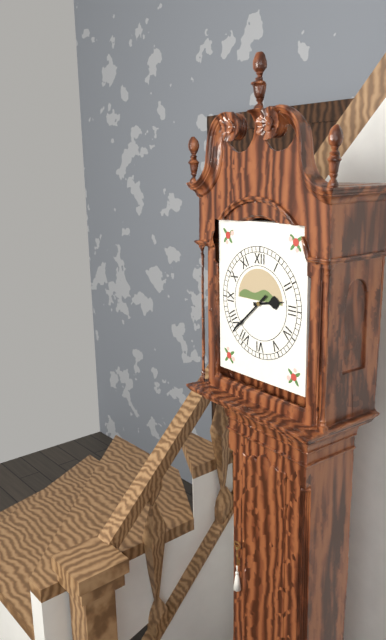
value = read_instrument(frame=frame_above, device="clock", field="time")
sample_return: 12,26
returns 2,38
